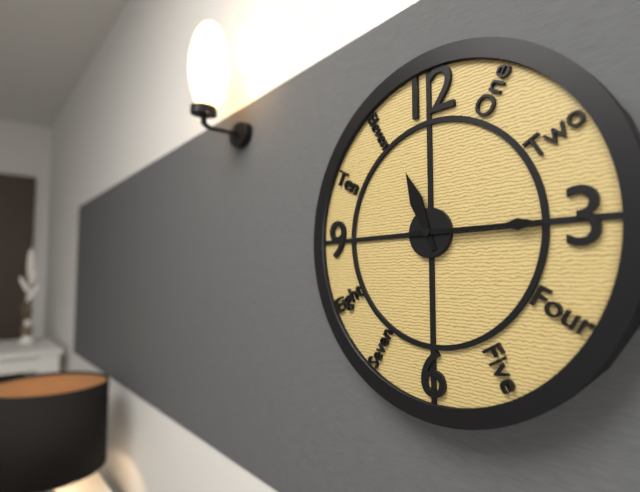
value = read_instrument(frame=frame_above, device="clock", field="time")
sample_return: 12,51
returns 11,15
